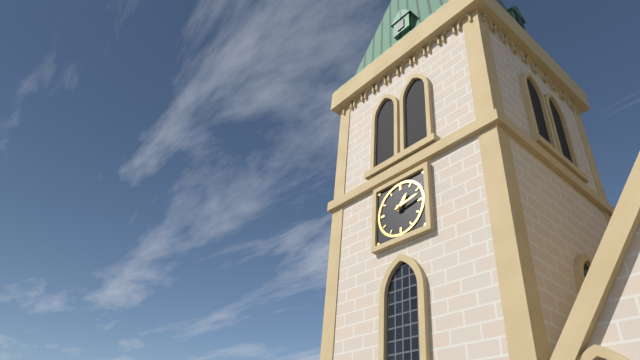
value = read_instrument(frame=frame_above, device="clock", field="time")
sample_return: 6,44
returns 1,13
